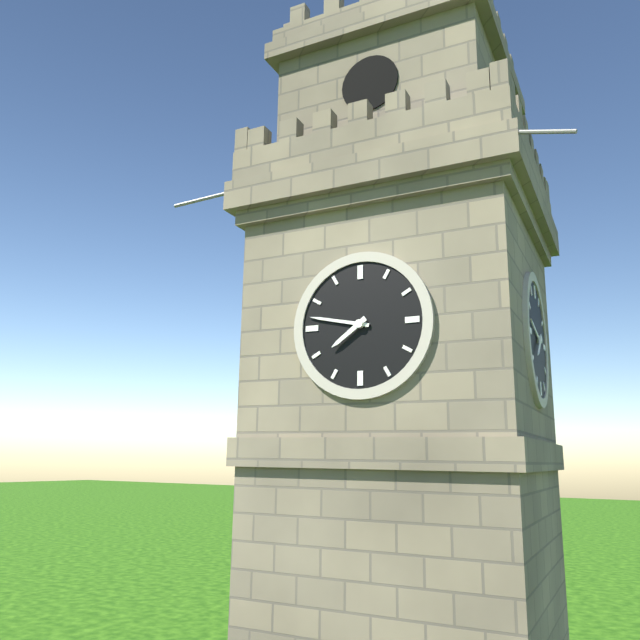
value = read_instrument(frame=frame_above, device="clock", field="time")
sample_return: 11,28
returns 7,47
